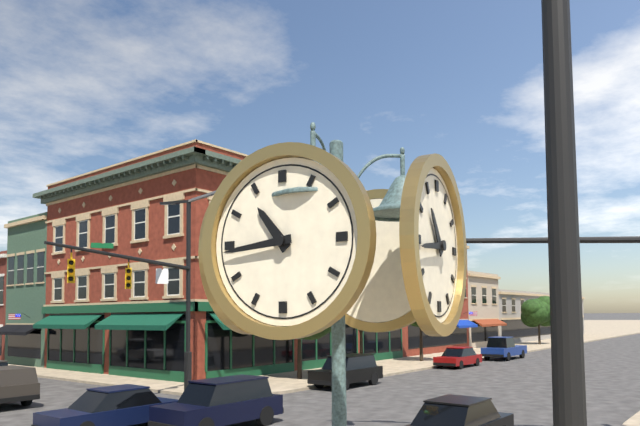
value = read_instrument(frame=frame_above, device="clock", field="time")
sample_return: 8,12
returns 10,44
